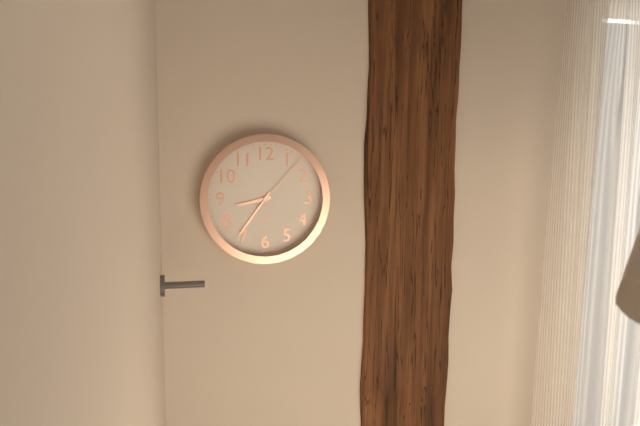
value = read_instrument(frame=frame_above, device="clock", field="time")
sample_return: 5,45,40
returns 8,36,07
